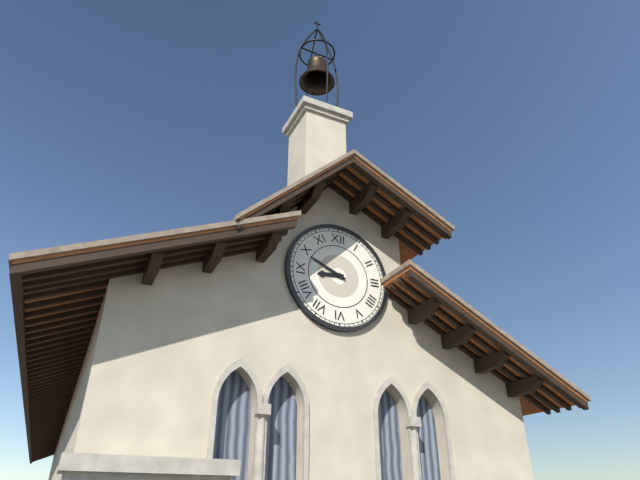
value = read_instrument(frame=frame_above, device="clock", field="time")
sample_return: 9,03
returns 8,49
